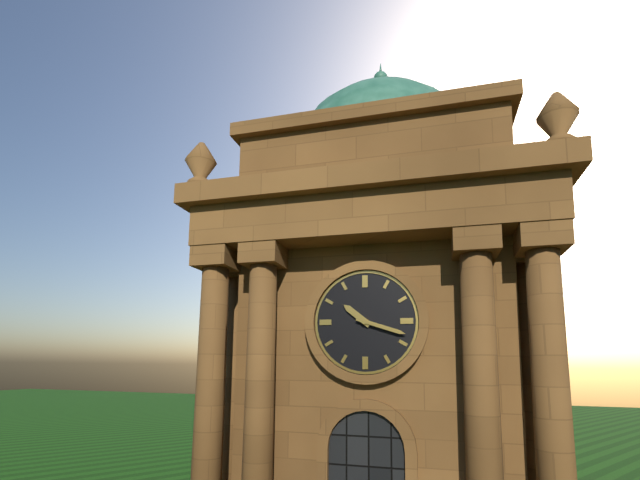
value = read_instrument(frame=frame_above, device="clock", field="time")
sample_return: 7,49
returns 10,18
